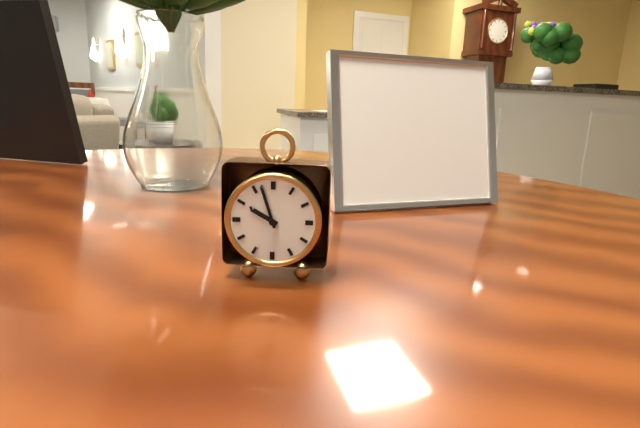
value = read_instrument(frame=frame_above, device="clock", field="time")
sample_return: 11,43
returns 9,57
